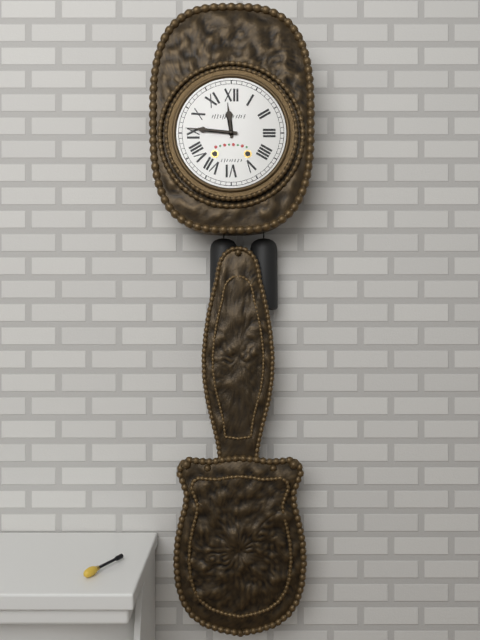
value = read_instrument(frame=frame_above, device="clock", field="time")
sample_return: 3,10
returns 11,46
